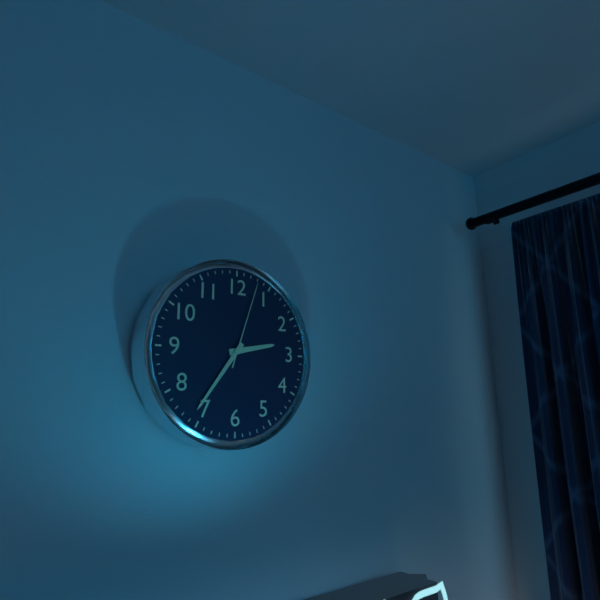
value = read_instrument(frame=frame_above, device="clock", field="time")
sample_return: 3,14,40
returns 2,36,03
